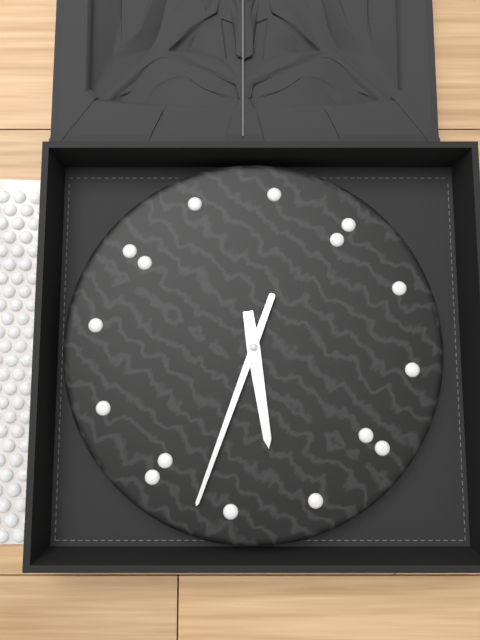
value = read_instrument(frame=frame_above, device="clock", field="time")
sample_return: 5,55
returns 4,27
